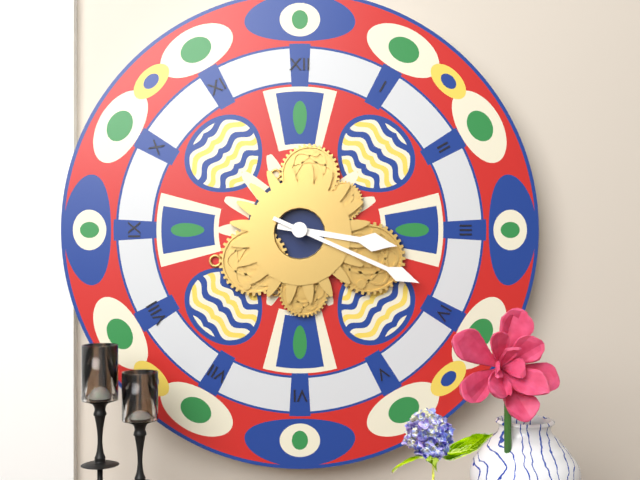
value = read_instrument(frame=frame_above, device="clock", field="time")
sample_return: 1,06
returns 3,19
